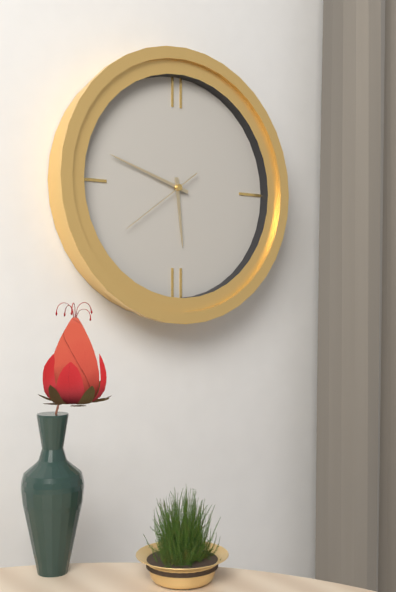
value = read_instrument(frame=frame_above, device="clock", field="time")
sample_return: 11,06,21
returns 5,48,39
